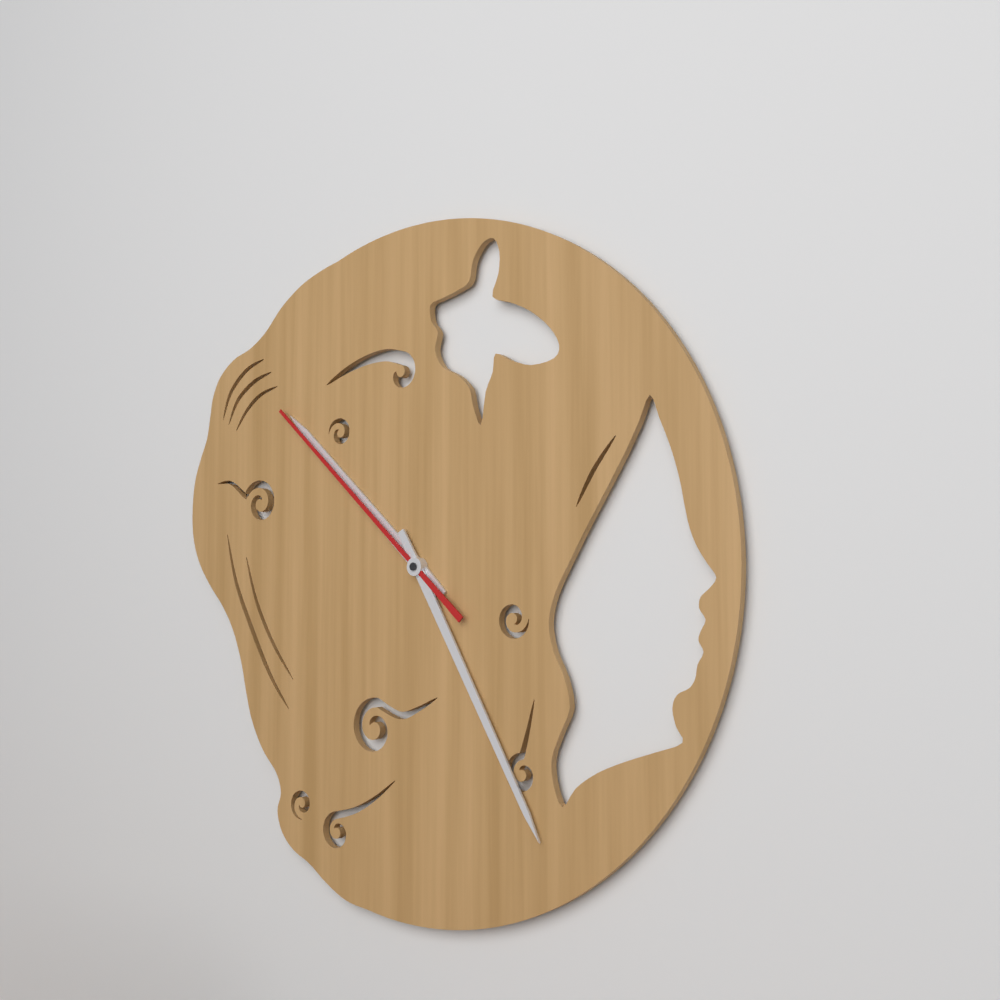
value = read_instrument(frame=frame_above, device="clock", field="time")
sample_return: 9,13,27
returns 10,25,52
